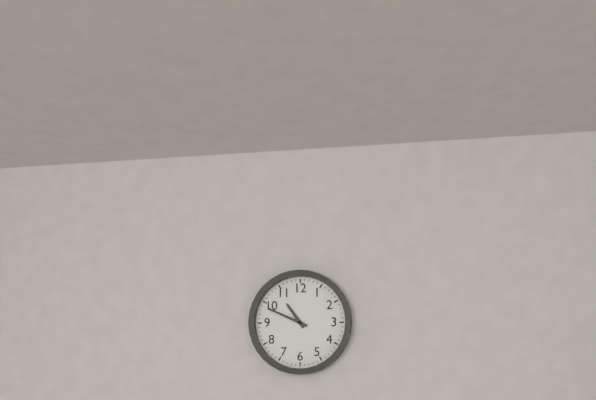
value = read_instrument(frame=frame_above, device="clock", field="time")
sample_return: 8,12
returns 10,49
